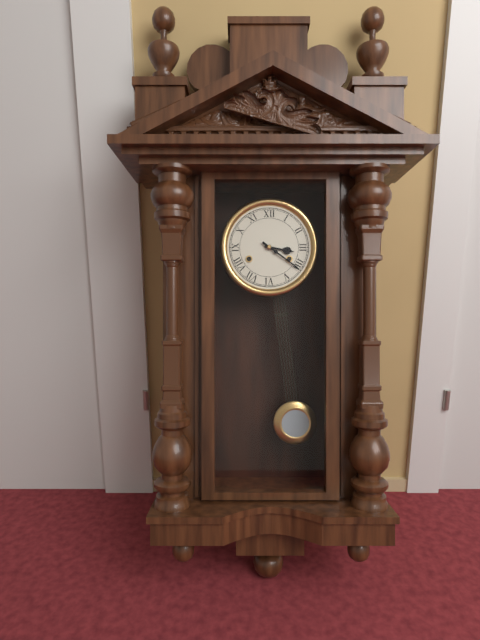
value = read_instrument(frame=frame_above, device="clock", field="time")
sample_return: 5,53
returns 3,21
